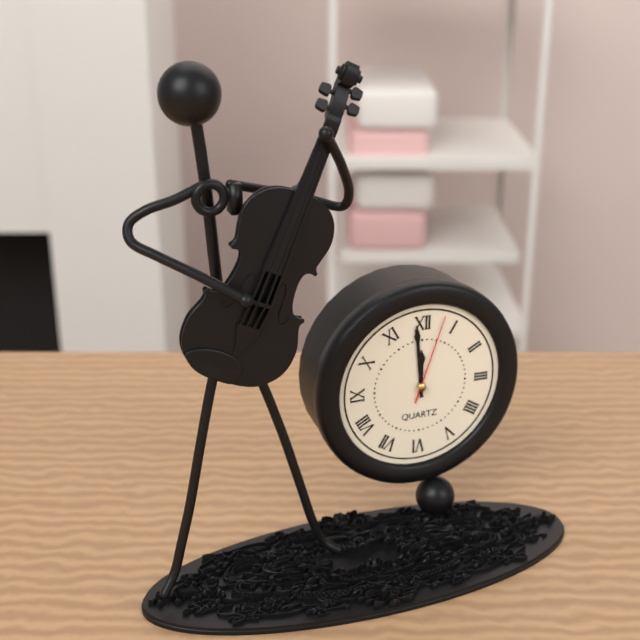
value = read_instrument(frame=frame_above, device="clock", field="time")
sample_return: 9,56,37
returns 11,59,03
